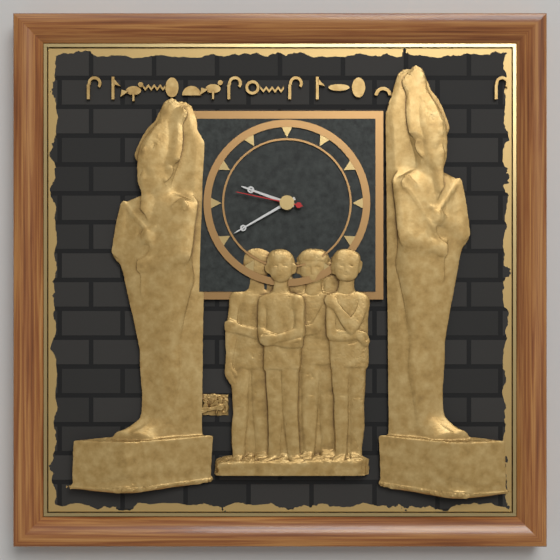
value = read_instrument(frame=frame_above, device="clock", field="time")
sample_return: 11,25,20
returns 9,40,47
